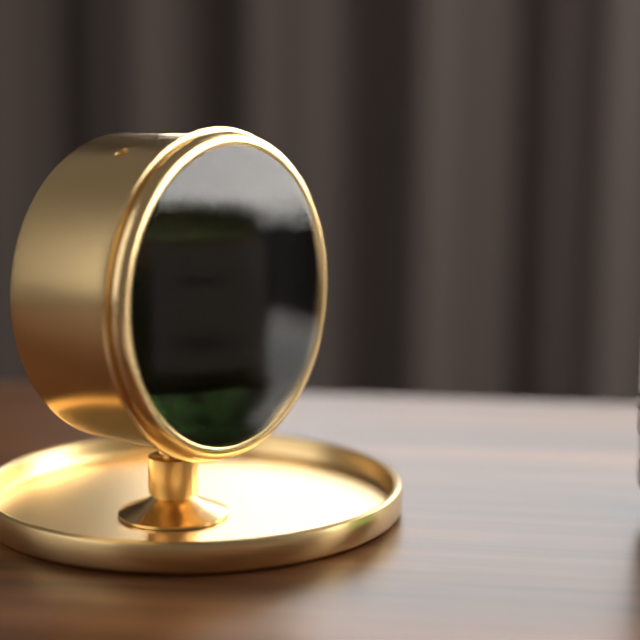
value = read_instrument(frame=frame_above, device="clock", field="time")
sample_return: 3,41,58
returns 10,56,33
